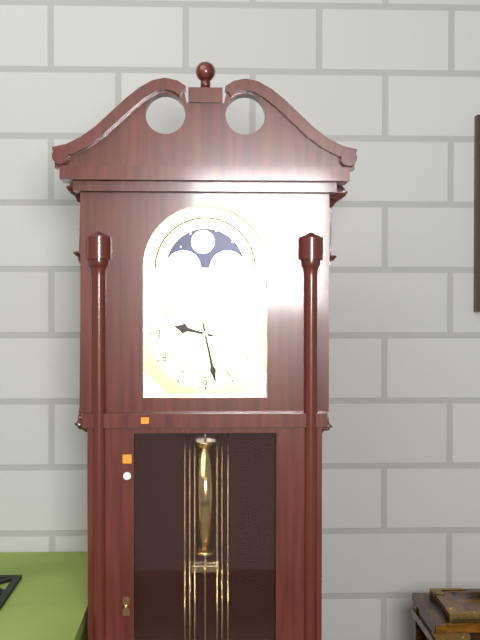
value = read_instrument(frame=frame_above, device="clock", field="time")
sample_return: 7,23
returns 9,28
